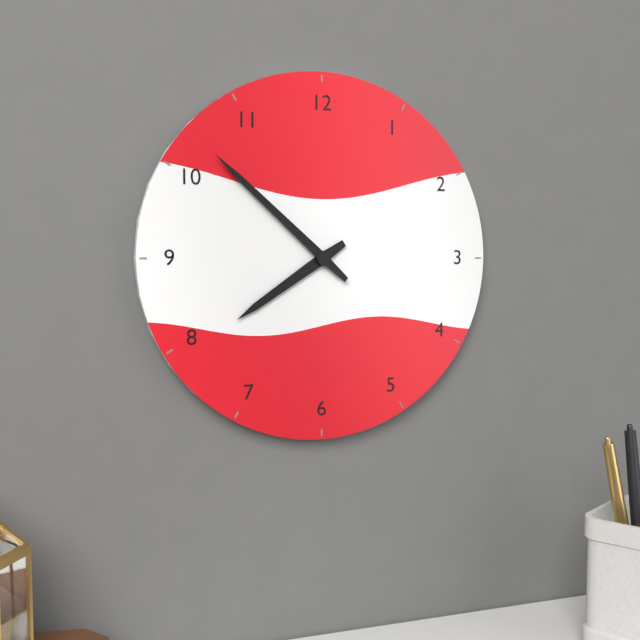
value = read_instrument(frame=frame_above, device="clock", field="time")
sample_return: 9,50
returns 7,52
